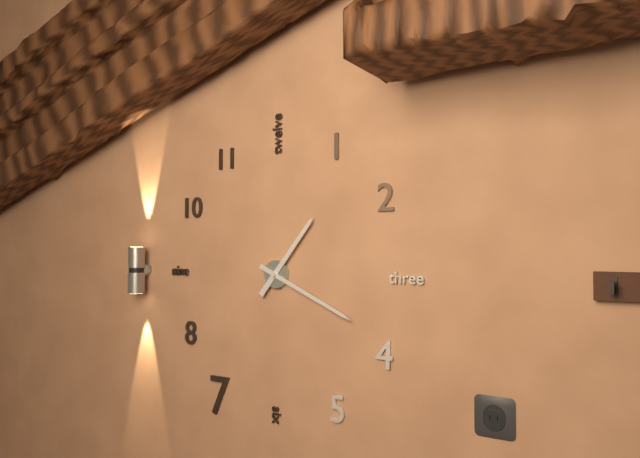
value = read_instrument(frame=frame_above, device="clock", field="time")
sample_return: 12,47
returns 1,19
